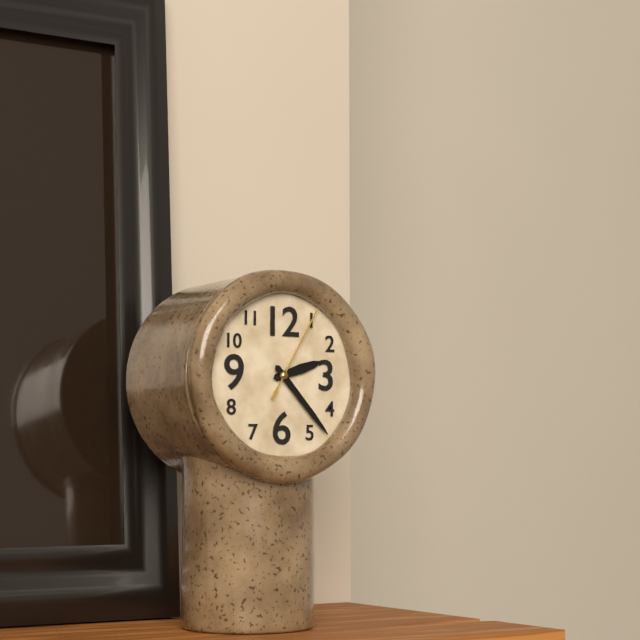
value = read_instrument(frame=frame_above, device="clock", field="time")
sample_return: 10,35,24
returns 2,23,05
